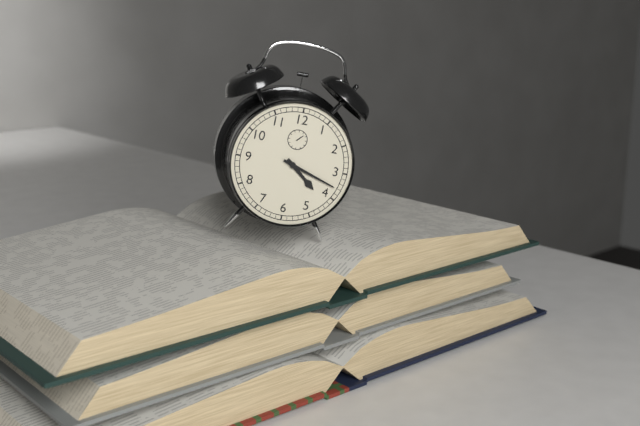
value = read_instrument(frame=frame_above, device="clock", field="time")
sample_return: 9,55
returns 4,18
